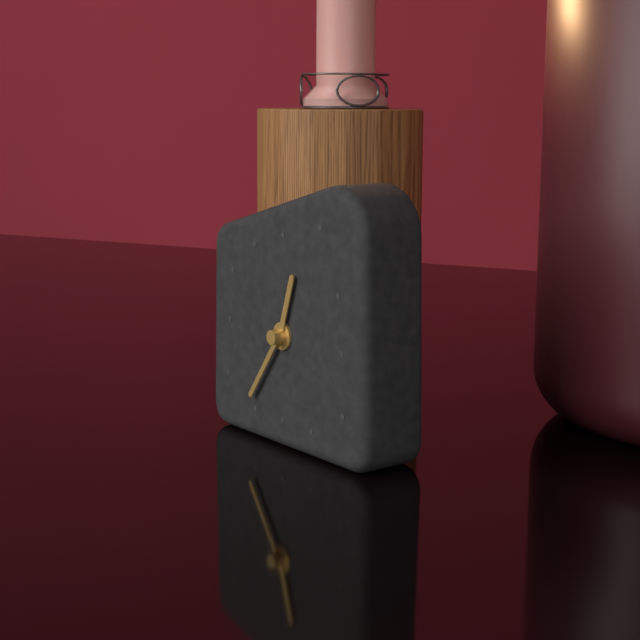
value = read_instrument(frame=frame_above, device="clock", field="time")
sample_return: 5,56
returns 12,36
